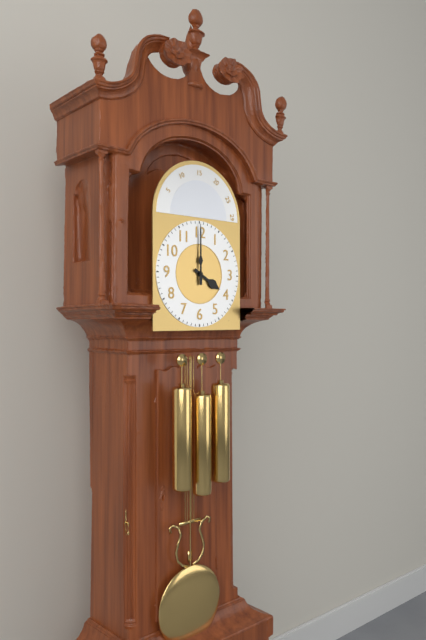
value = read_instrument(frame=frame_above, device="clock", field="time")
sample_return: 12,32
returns 4,00
